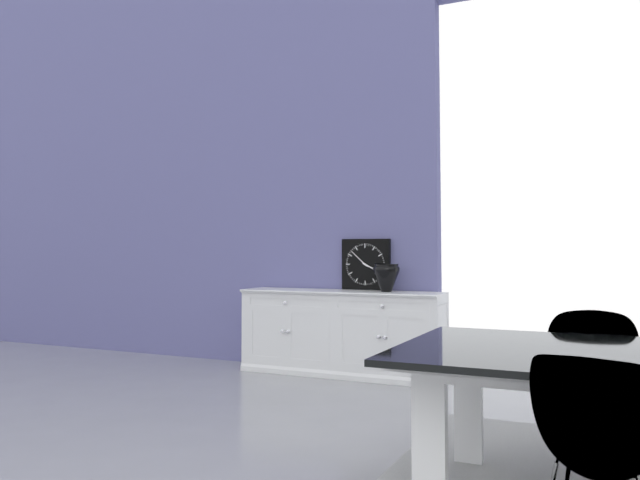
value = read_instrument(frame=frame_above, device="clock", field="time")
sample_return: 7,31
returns 3,52
